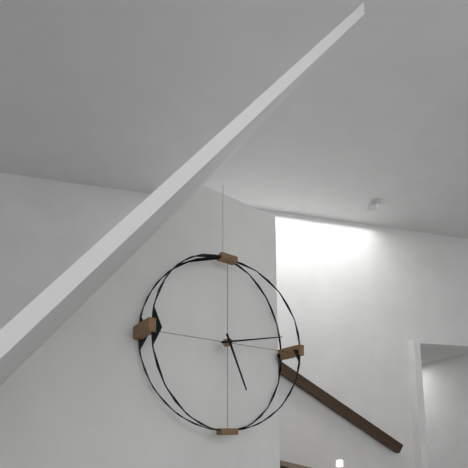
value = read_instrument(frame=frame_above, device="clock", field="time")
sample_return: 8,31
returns 5,13
